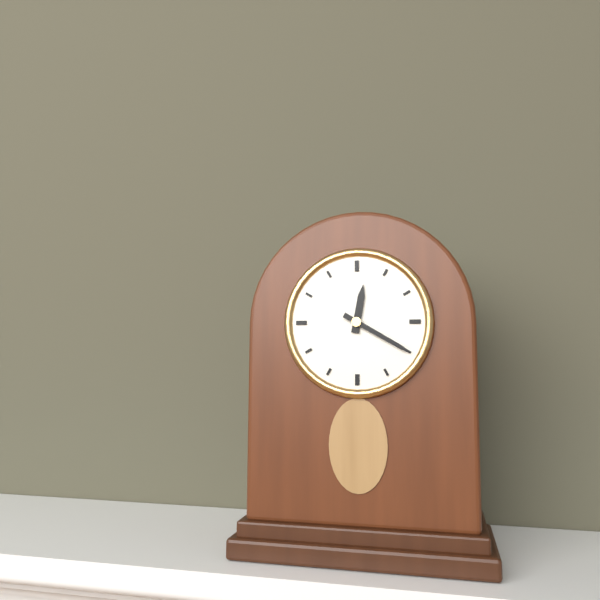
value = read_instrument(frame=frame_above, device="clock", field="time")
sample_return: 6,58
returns 12,20
